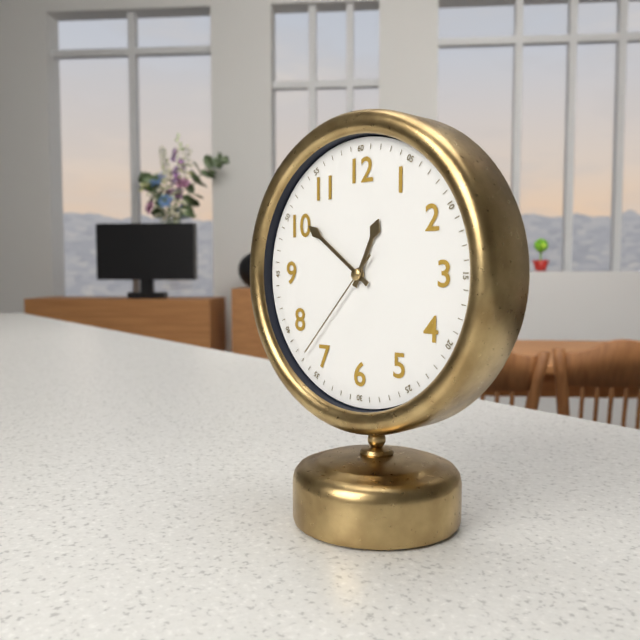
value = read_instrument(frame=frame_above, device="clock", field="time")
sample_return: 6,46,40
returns 12,51,37
